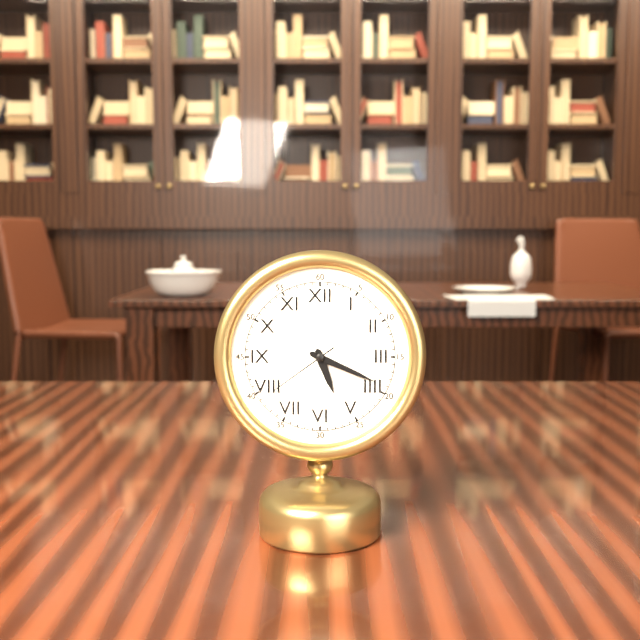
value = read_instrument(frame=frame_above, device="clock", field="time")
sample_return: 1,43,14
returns 5,19,39
